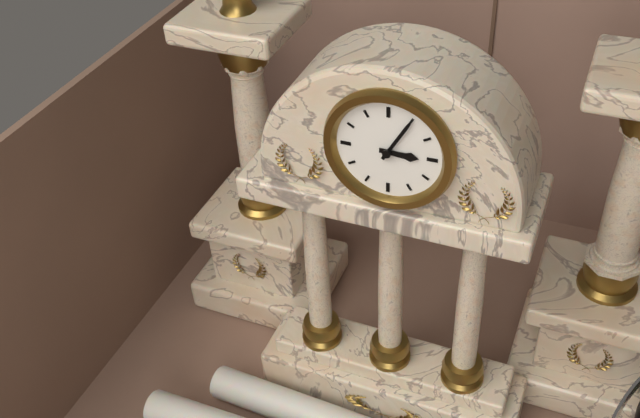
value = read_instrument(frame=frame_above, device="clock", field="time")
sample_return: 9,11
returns 3,05
